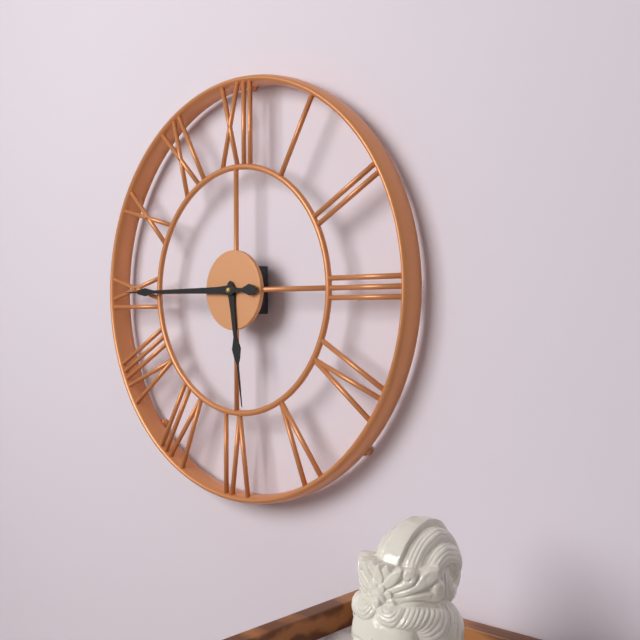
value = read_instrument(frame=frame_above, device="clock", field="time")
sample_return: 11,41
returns 5,45
